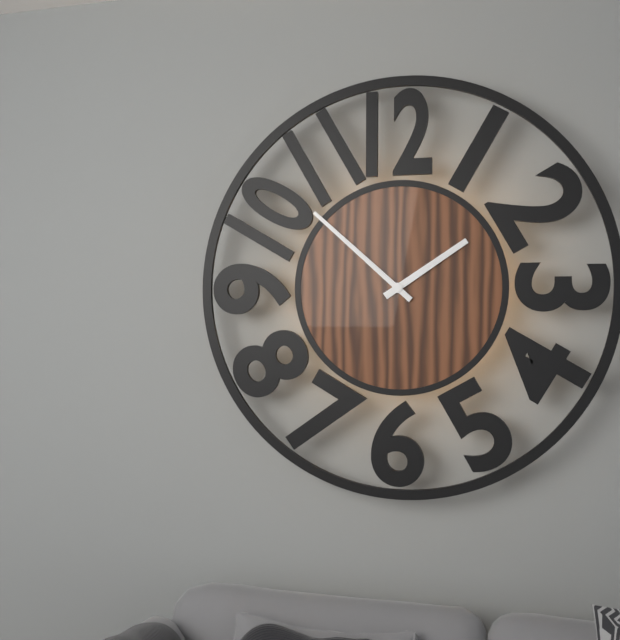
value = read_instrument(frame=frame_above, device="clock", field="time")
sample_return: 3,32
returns 1,52
